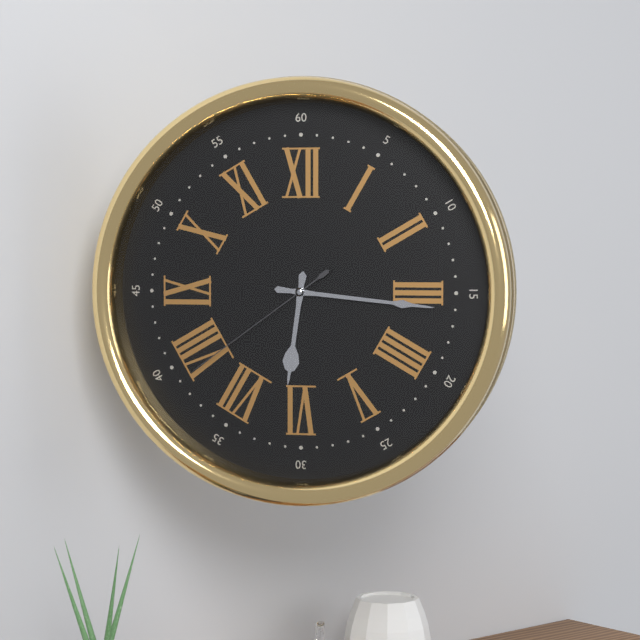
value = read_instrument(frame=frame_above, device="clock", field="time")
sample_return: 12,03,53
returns 6,16,39
